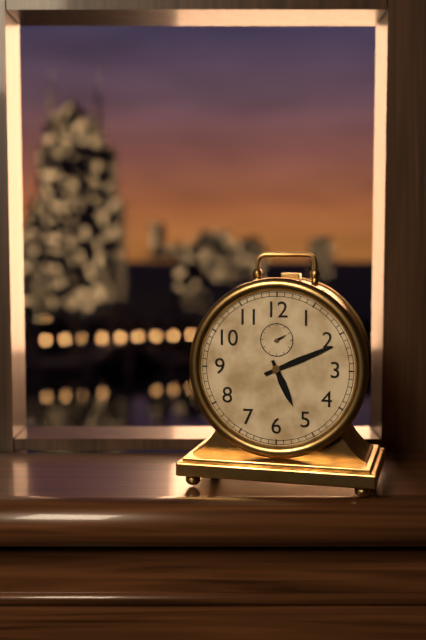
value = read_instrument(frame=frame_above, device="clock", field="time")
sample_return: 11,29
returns 5,11
